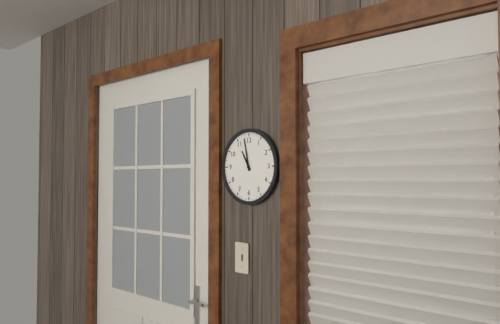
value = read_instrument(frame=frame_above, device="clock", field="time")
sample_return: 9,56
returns 10,58
